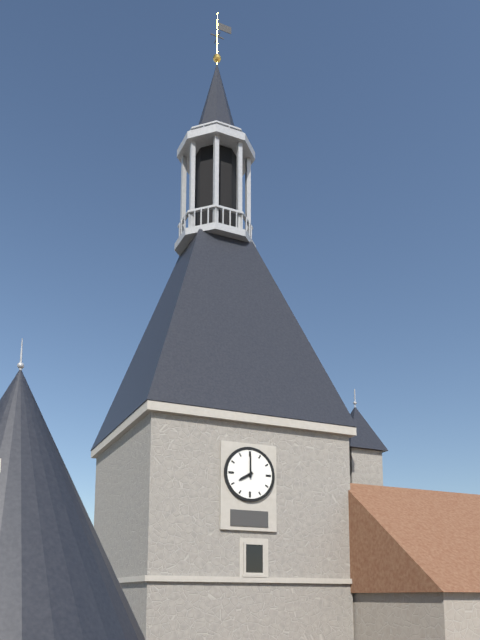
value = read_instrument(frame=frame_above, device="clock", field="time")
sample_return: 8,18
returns 8,00
